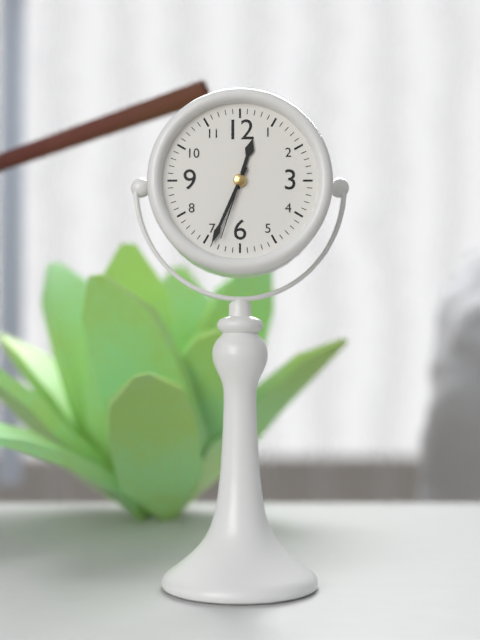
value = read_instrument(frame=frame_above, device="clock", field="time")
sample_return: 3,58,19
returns 12,34,33
